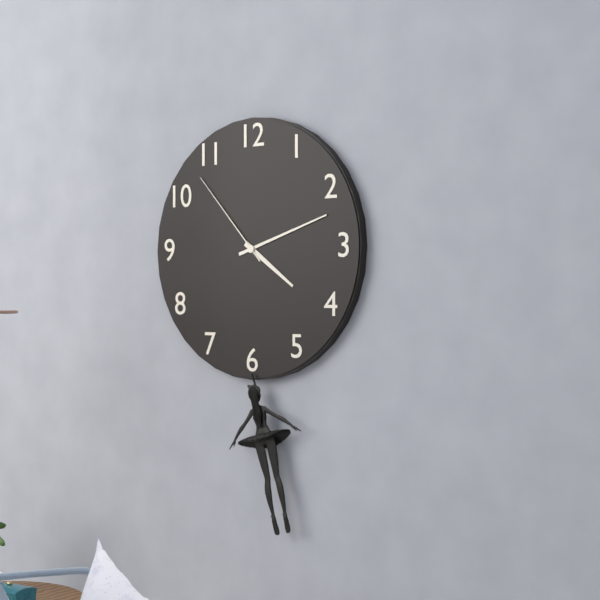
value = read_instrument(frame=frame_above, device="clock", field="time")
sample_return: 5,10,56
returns 4,12,53
